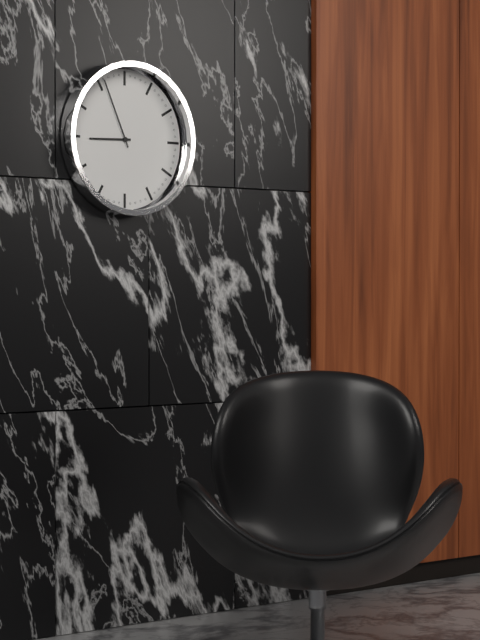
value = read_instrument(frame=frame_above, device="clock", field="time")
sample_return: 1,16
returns 8,56
